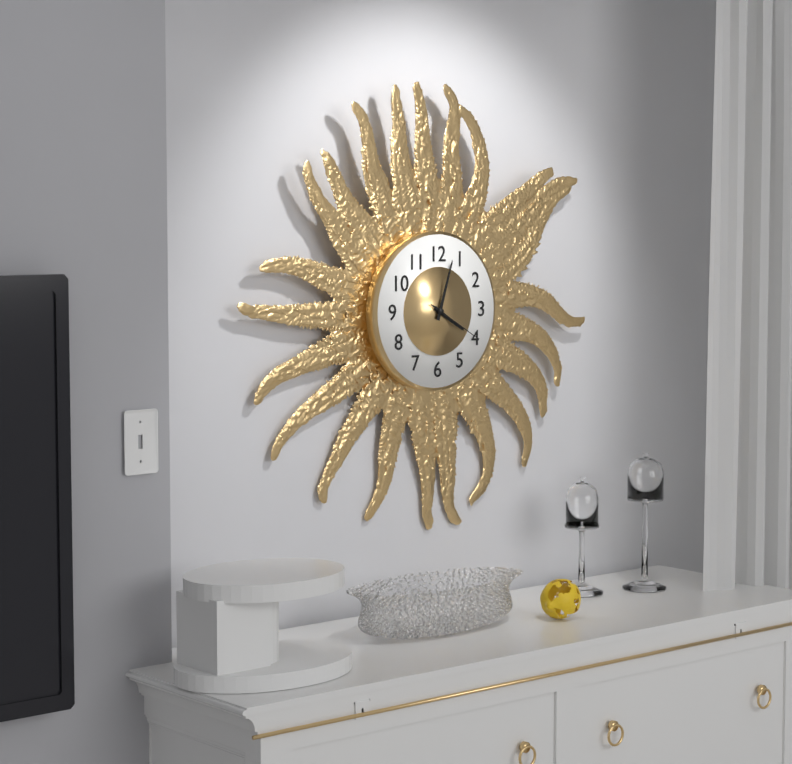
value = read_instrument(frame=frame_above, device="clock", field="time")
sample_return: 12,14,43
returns 4,03,20
